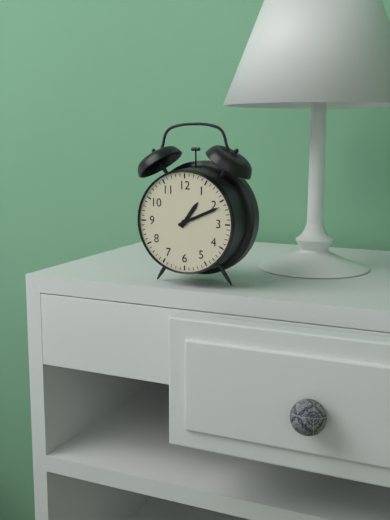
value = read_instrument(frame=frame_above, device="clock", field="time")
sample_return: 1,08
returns 1,11
